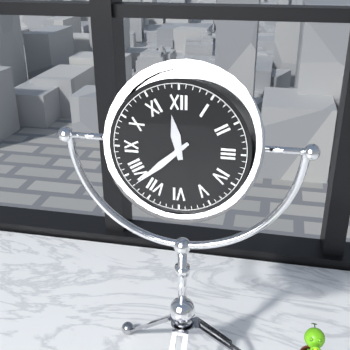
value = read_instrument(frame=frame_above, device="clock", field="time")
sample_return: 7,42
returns 11,38
